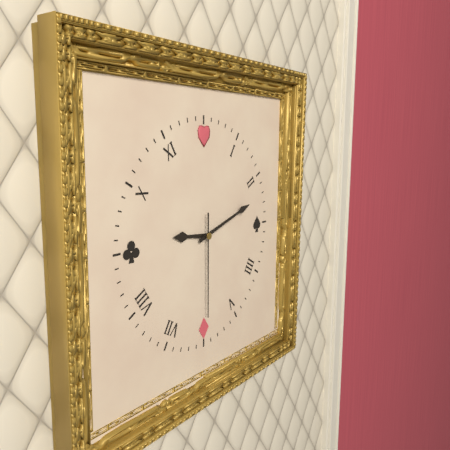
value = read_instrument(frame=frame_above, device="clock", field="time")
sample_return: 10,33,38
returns 9,12,30
